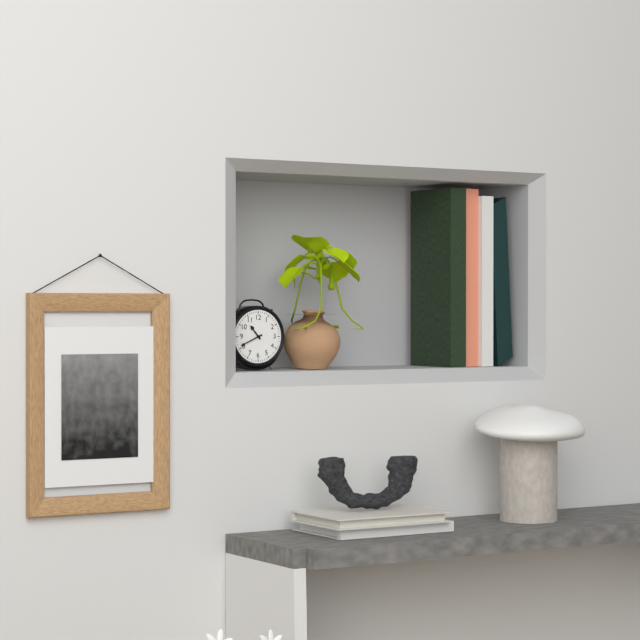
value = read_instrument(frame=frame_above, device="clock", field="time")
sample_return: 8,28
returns 10,41
